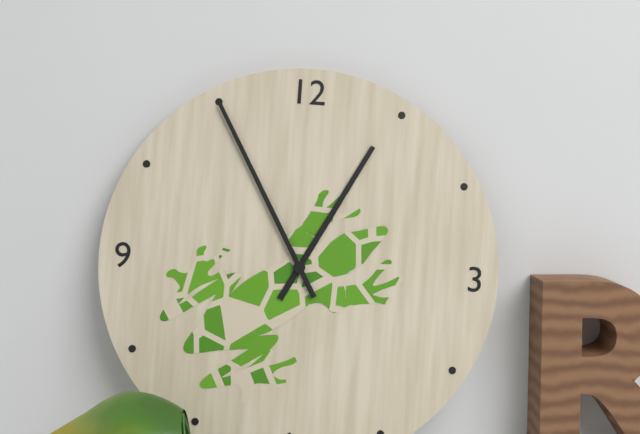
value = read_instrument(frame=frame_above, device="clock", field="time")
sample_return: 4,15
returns 12,55
